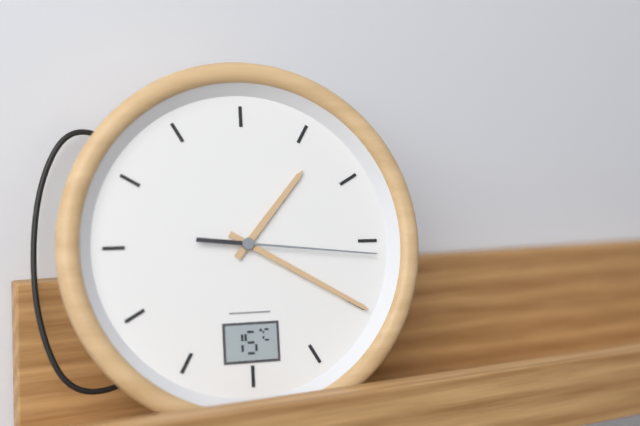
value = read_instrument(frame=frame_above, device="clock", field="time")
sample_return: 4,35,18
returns 1,20,16
